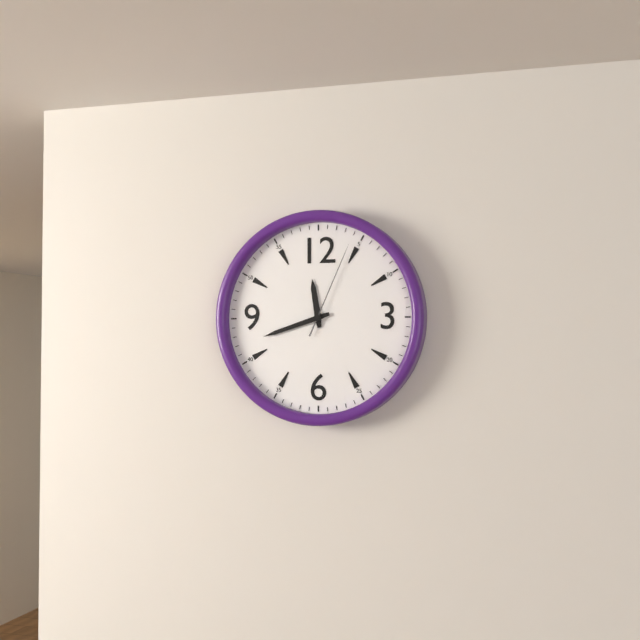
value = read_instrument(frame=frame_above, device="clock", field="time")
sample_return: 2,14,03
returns 11,42,04
